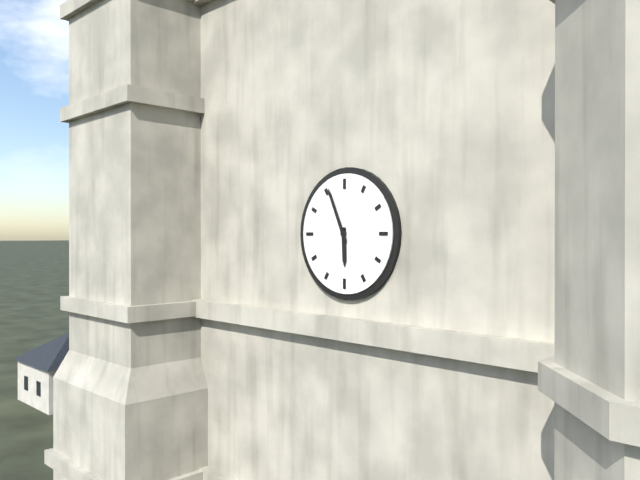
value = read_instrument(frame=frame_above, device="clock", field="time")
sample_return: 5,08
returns 5,56
